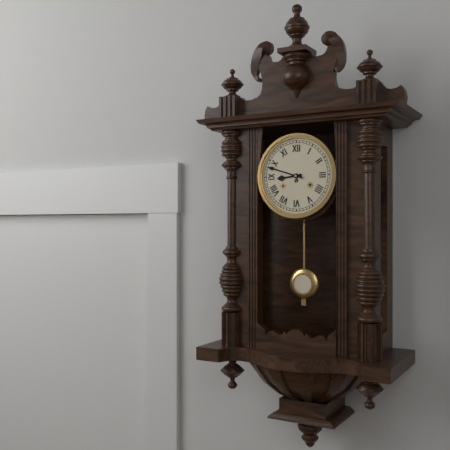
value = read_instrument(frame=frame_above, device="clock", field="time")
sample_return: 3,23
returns 8,48
